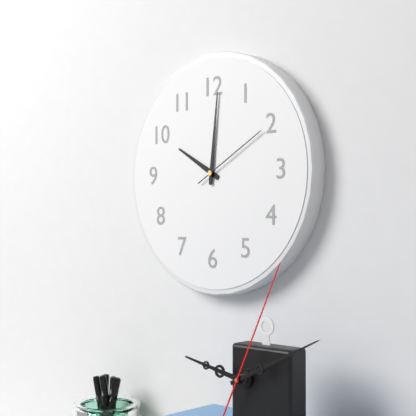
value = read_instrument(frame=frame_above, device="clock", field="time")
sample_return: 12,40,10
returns 10,01,10
